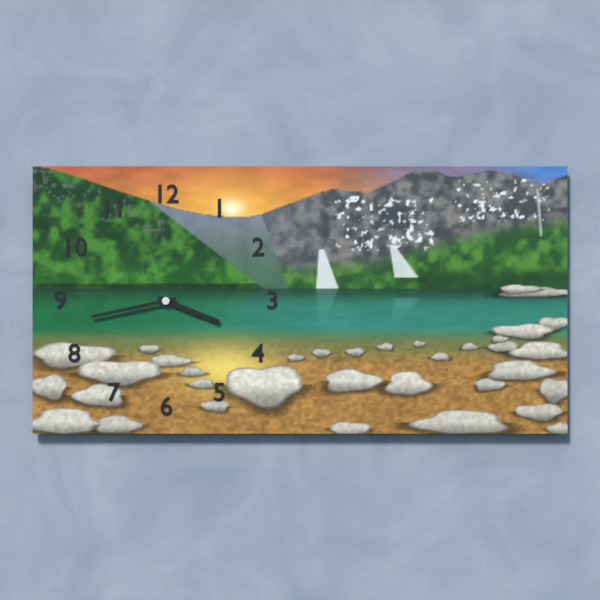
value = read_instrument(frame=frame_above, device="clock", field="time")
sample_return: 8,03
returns 3,43
